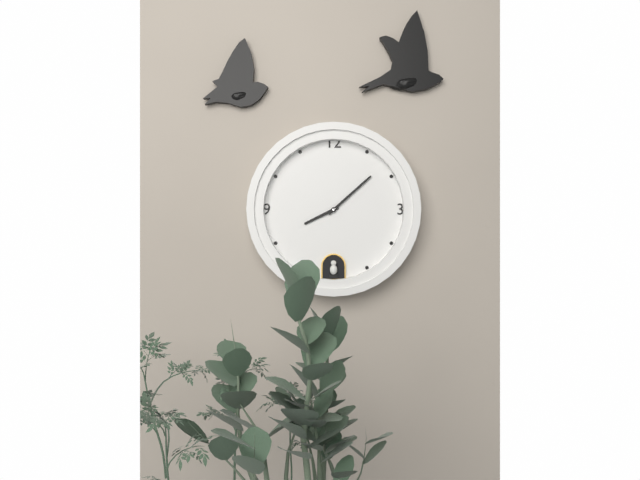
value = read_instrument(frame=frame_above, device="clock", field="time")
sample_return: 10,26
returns 8,08
